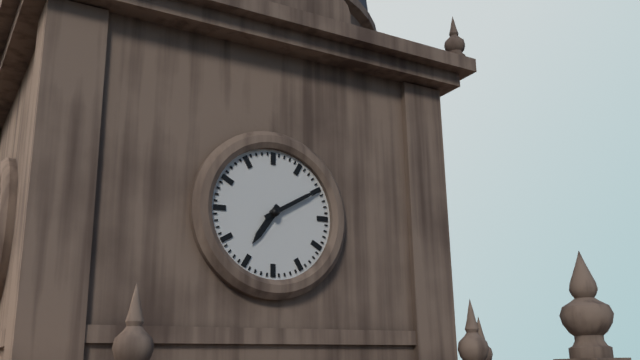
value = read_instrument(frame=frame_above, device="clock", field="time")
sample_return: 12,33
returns 7,10
